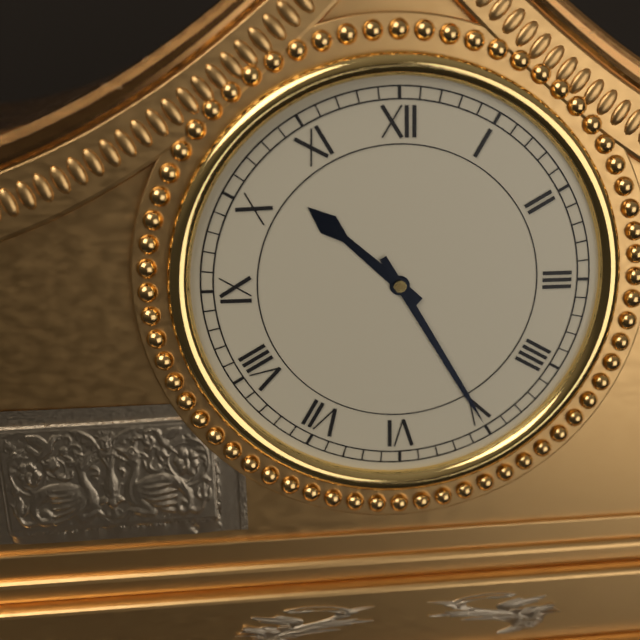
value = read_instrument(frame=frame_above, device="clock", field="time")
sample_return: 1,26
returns 10,25
